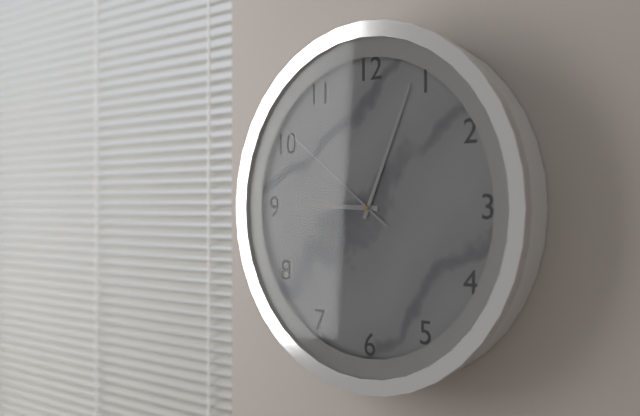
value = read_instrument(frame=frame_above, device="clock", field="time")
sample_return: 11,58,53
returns 9,04,51
